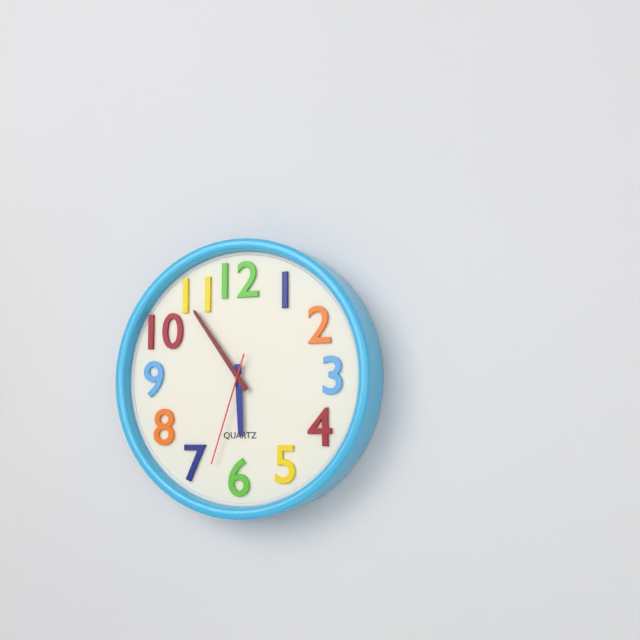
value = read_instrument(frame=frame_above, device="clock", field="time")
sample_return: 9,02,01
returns 5,54,33
